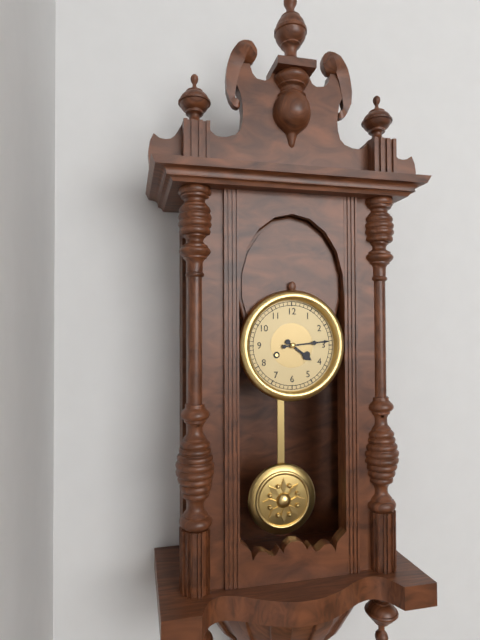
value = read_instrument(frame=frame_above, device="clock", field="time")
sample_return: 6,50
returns 4,14
